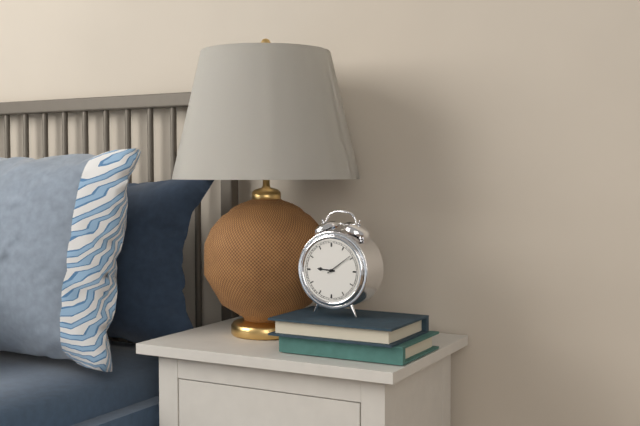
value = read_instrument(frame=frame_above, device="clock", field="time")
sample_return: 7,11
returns 9,09
